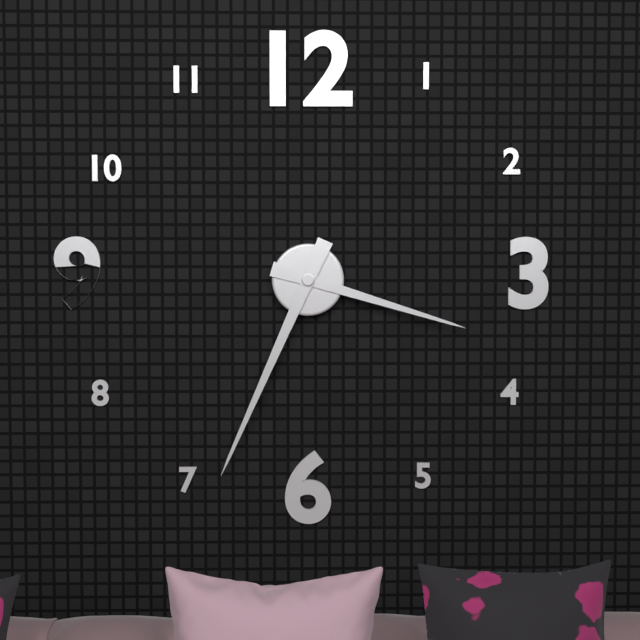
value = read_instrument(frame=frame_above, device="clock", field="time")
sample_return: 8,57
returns 3,34
